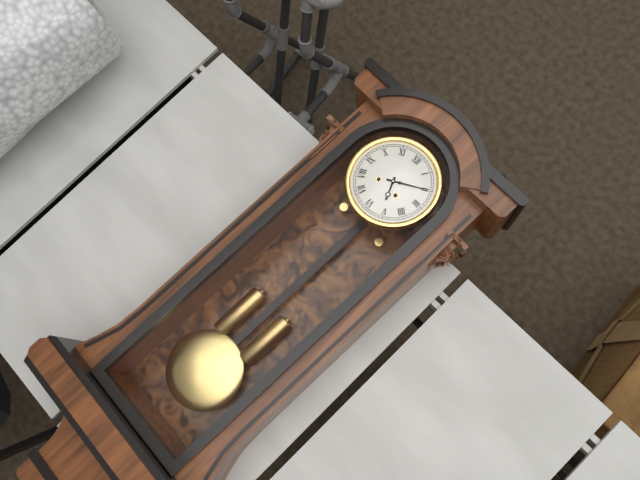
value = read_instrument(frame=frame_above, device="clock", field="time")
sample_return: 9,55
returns 5,10
